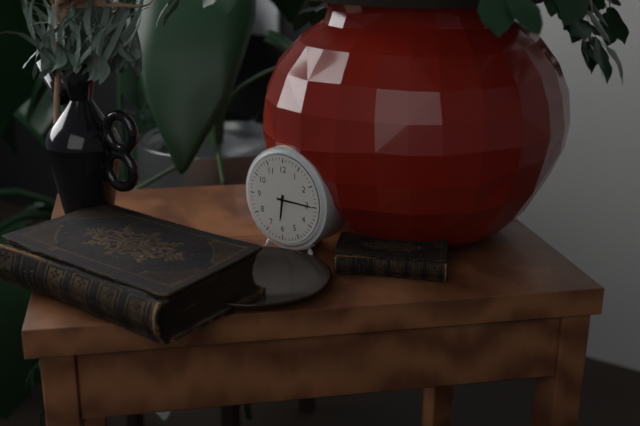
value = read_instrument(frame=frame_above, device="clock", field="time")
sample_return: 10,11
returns 6,15
